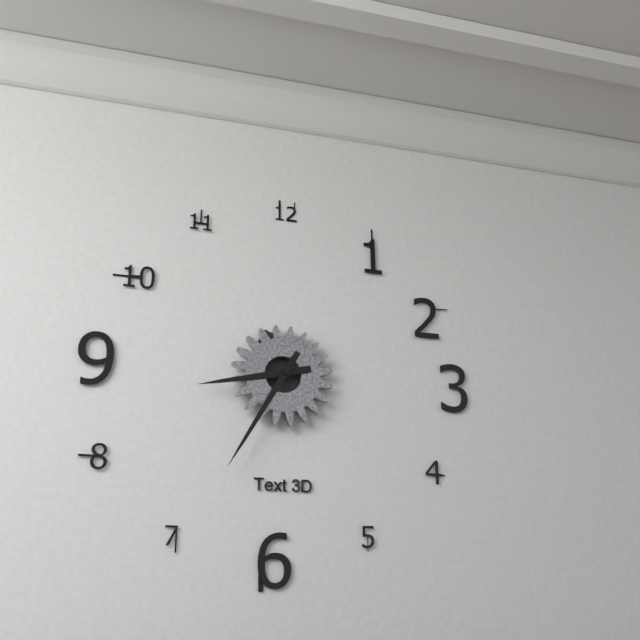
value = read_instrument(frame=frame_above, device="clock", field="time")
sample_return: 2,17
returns 8,35
